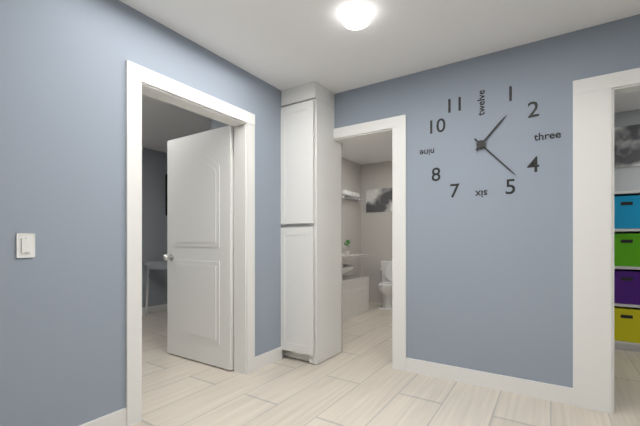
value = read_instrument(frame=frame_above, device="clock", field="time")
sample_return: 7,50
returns 1,23
